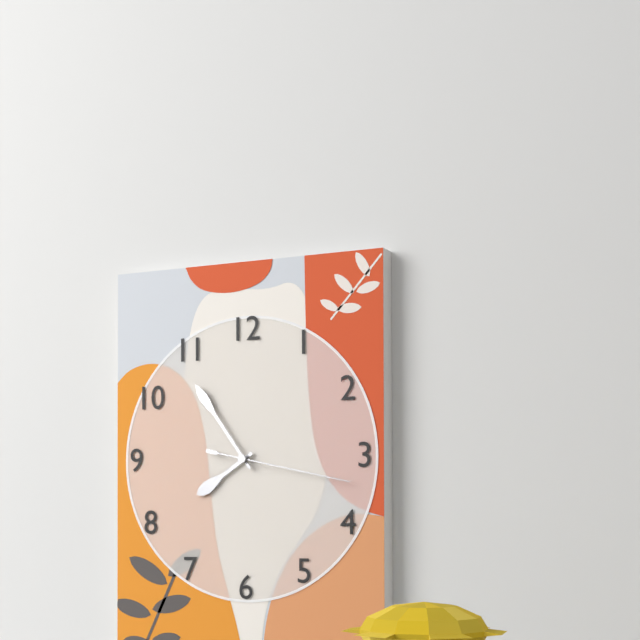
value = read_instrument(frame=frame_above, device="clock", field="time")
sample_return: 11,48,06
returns 7,54,17
